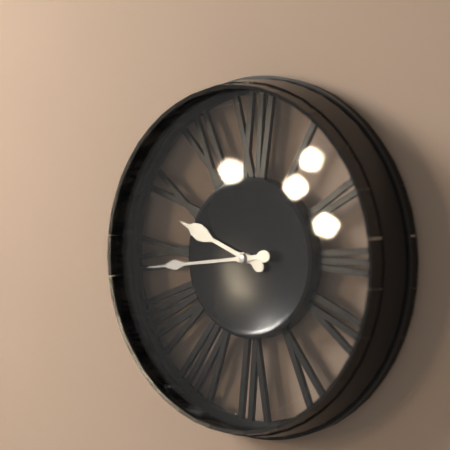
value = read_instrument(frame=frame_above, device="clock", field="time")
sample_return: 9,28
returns 9,44
